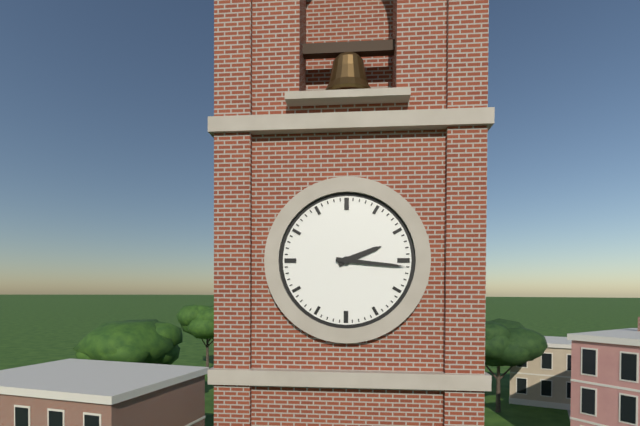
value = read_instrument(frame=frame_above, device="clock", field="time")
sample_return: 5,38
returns 2,16
